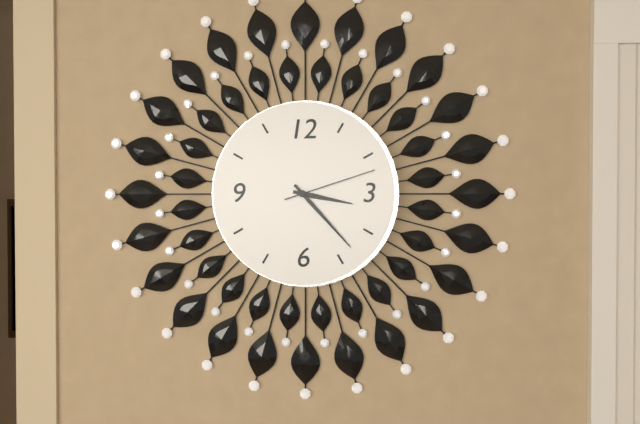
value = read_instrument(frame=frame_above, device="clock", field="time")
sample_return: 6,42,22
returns 3,23,12
